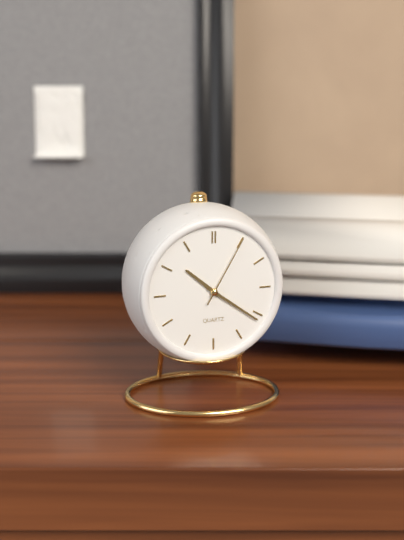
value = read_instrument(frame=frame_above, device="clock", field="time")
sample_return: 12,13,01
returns 10,21,05
